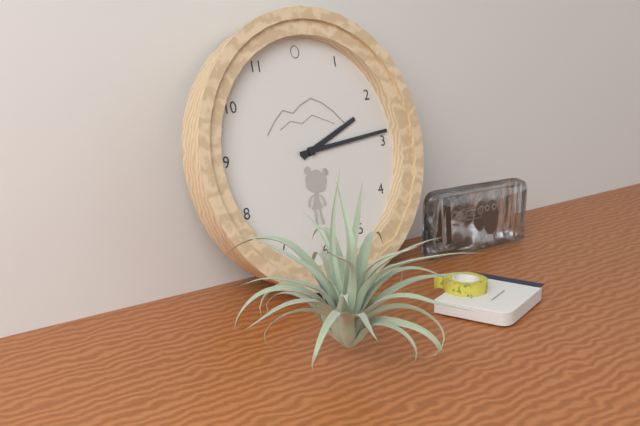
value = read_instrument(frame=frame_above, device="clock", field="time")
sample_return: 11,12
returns 2,14
